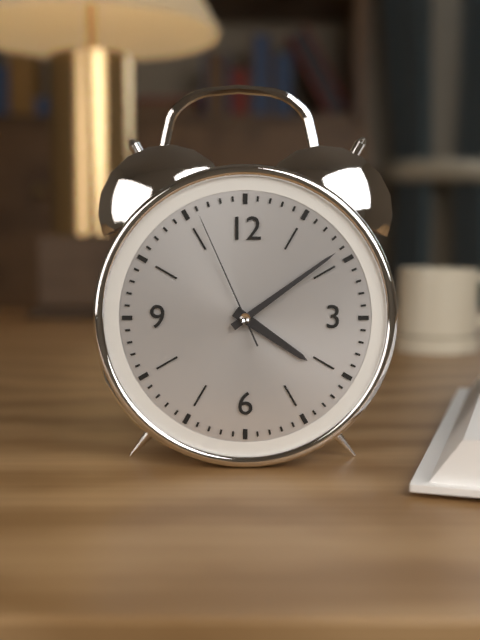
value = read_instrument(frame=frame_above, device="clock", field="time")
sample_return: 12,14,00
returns 4,09,56
